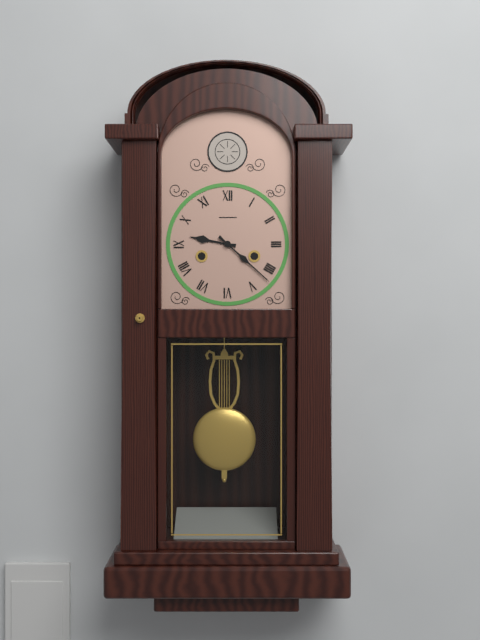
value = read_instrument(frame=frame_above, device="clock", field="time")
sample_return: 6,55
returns 9,22
